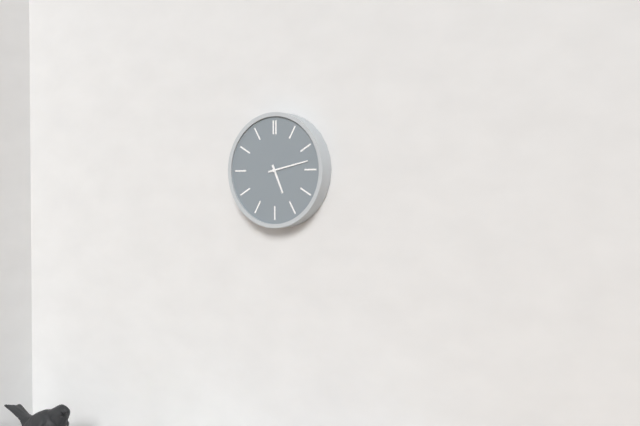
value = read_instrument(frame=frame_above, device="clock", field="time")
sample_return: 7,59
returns 5,13
